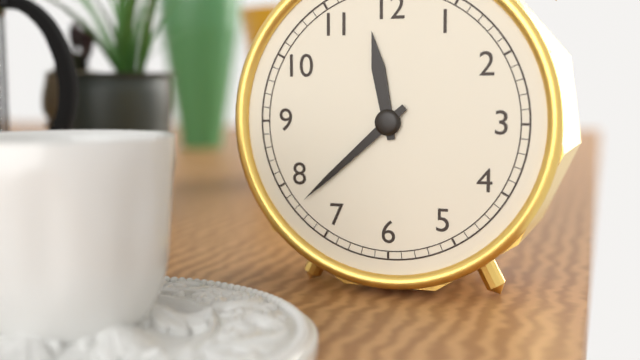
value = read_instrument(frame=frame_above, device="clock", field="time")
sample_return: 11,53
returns 11,38
